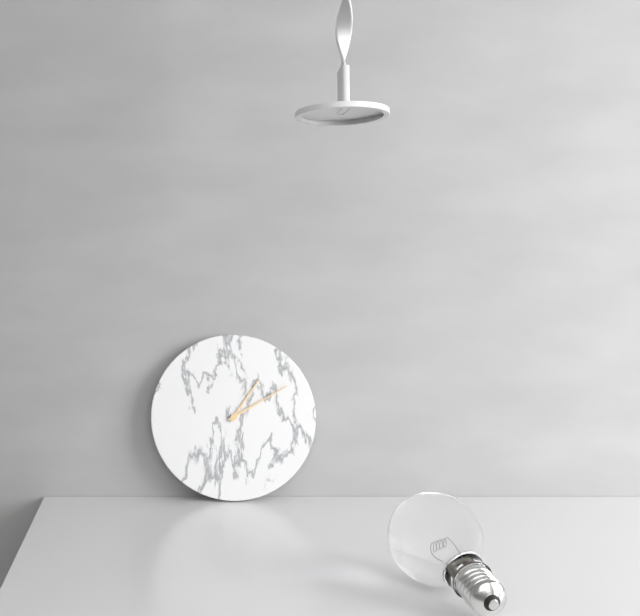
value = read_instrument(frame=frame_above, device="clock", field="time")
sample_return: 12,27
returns 1,10
